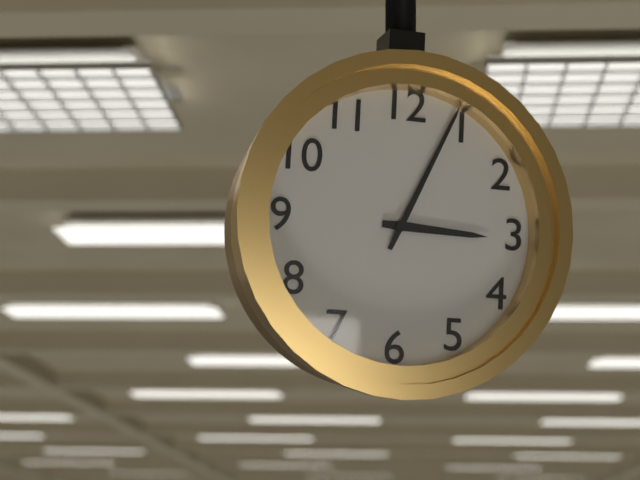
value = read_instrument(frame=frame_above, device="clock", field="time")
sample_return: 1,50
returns 3,04
